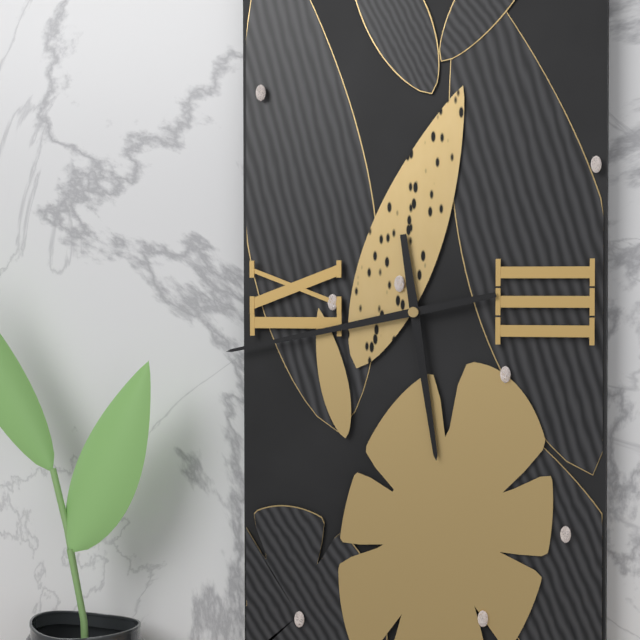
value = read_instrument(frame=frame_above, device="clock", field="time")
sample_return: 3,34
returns 5,43
